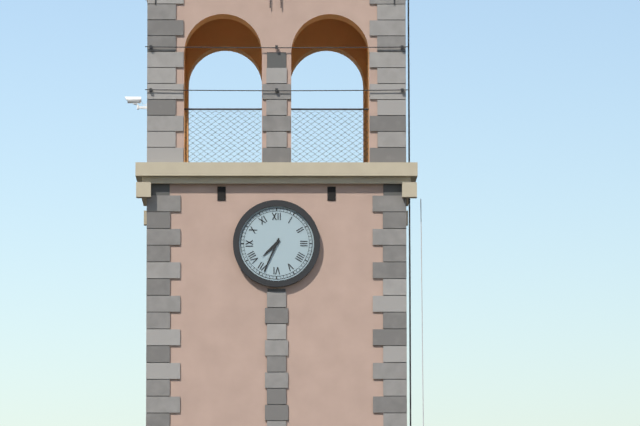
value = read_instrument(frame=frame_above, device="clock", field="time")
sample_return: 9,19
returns 7,34
